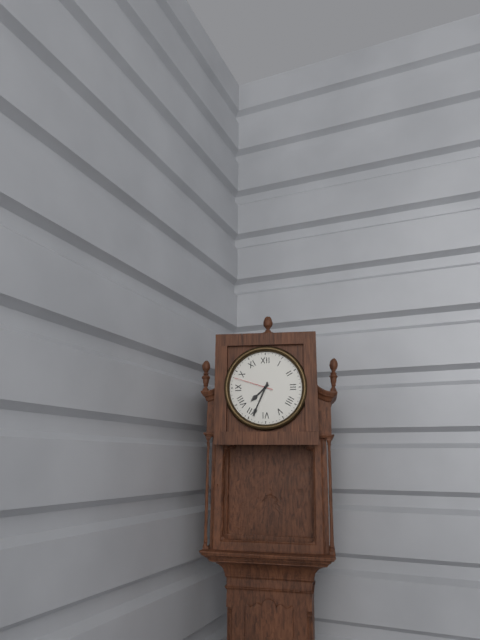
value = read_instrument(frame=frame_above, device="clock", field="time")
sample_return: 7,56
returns 7,34
